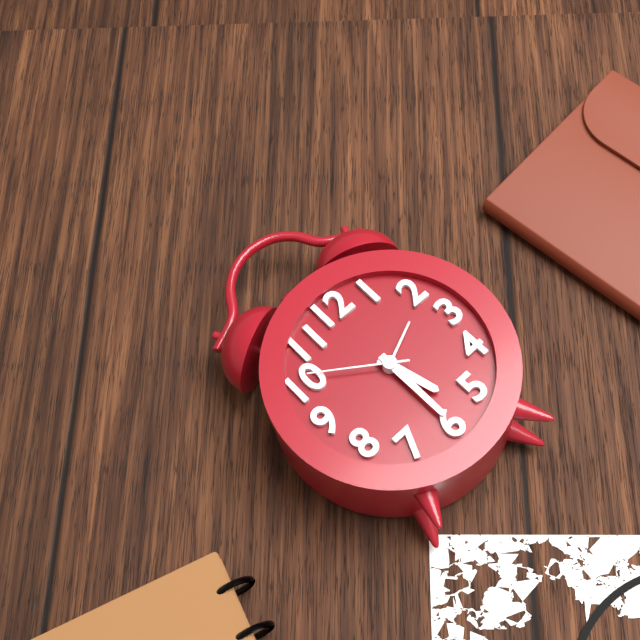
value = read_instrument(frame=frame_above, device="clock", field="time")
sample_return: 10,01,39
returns 5,30,51
